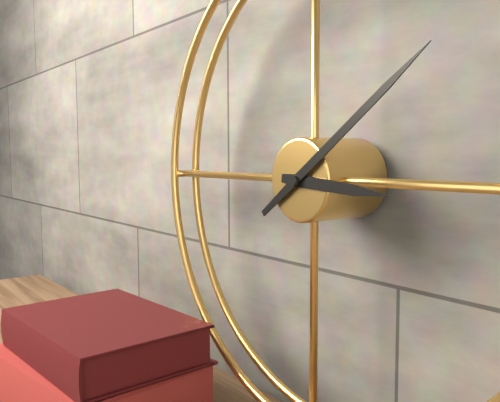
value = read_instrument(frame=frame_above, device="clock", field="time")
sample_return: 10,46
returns 3,09
